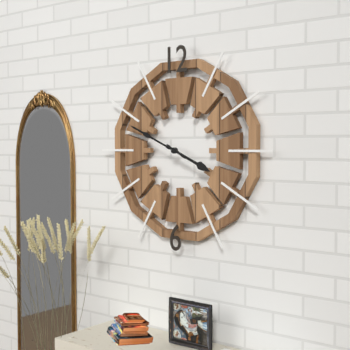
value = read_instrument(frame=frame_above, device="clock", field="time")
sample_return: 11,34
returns 3,49
